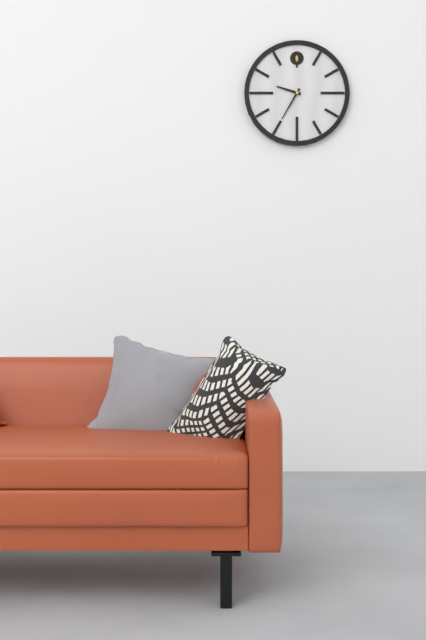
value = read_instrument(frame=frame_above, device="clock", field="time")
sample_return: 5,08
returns 9,35
